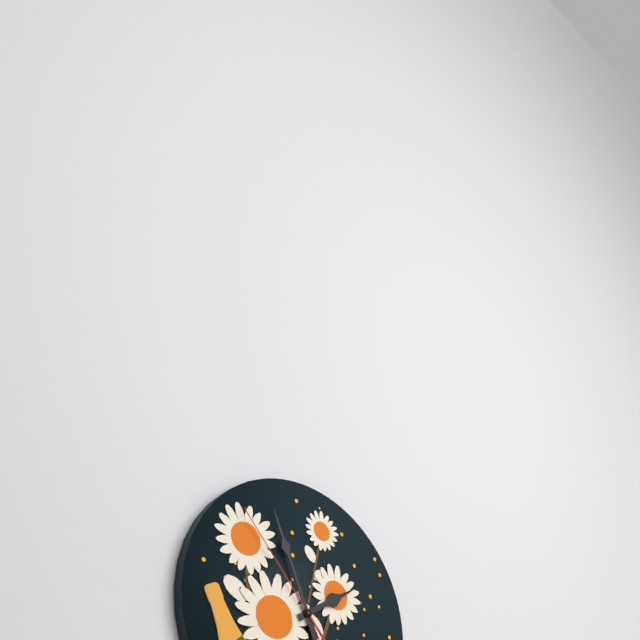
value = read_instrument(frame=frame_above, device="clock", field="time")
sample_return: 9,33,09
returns 1,56,53
